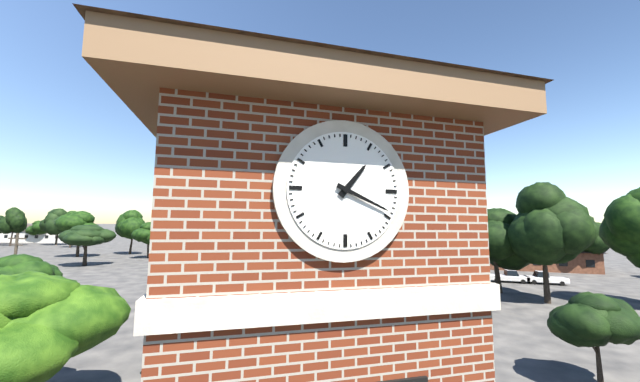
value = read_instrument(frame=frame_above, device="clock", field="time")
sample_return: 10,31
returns 1,19
